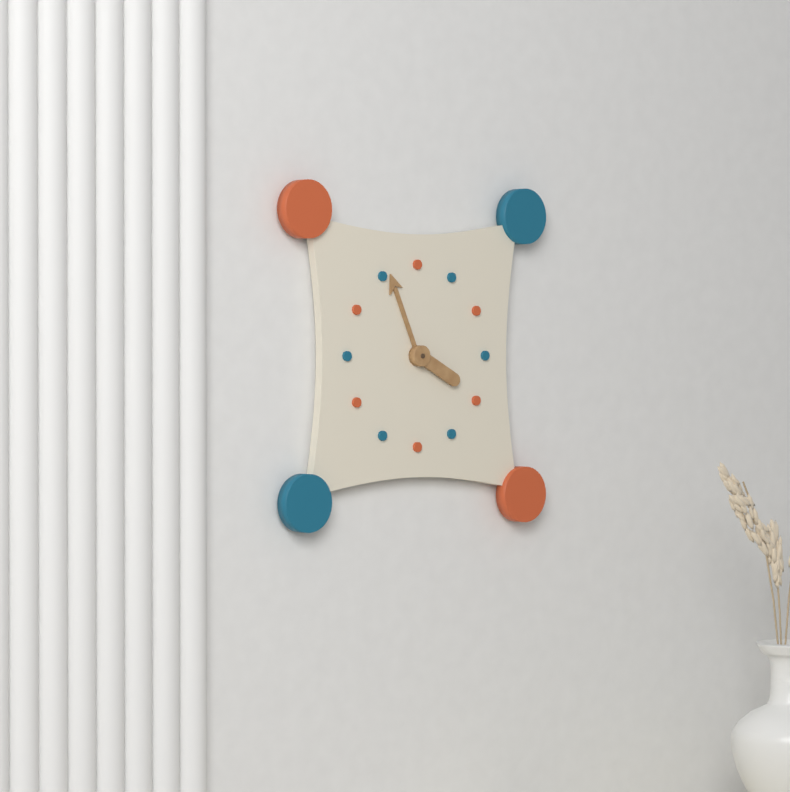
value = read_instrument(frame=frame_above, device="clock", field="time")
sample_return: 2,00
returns 3,56
